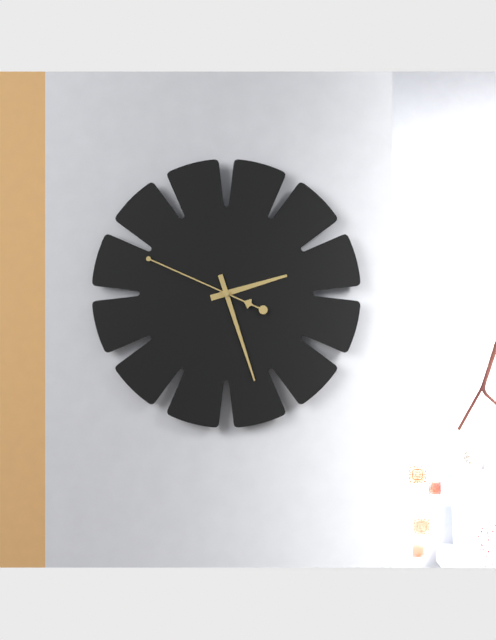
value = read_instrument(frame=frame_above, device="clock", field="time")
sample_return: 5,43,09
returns 2,27,49
